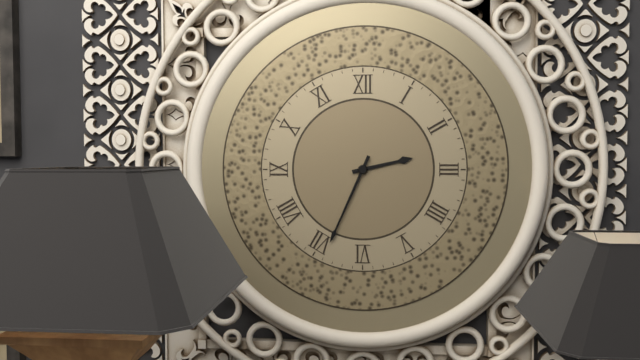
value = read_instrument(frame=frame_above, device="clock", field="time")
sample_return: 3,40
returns 2,34
